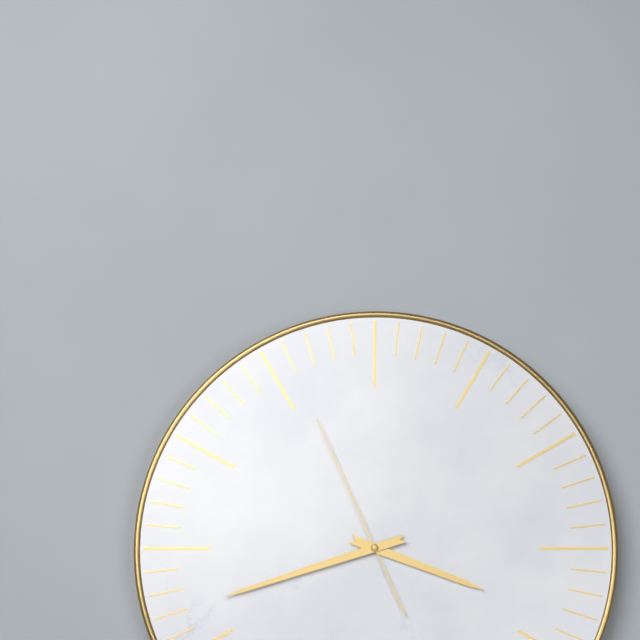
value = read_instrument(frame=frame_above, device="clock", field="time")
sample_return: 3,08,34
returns 3,42,56
